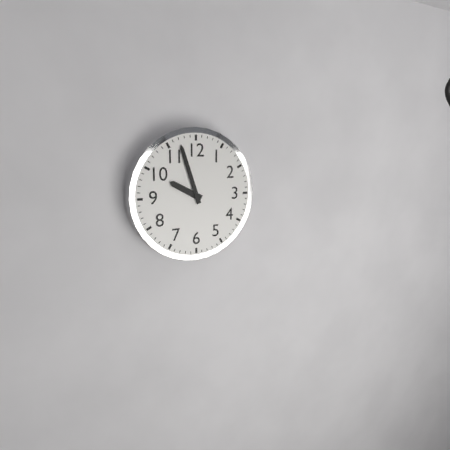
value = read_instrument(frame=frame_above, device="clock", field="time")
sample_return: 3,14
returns 9,57
